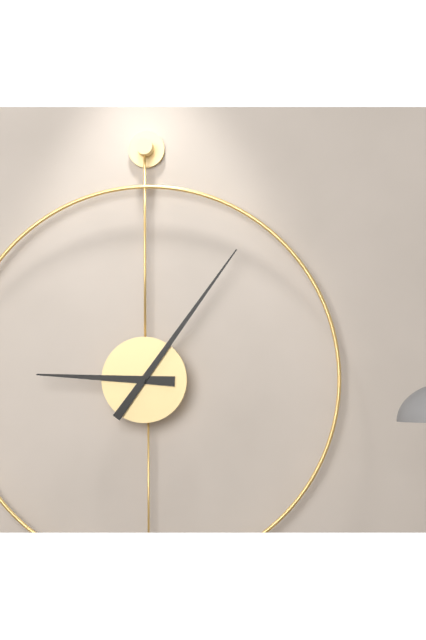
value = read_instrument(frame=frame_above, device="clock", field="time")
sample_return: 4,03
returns 9,06
